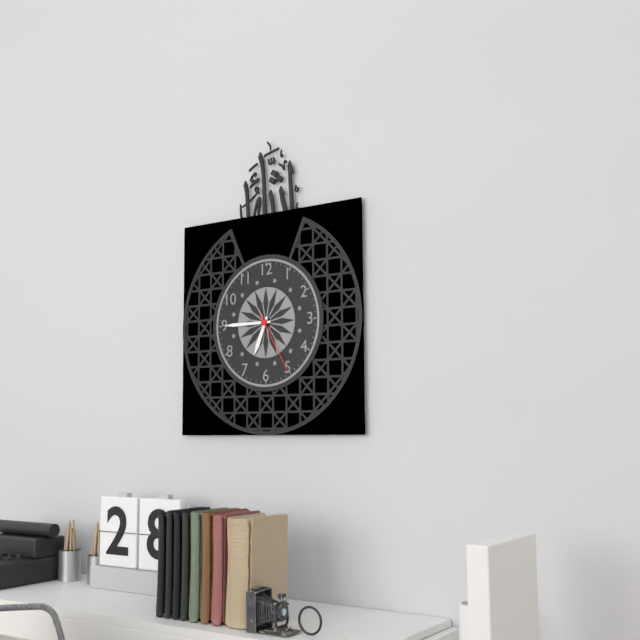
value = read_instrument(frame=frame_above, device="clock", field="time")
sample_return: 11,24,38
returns 6,45,25
